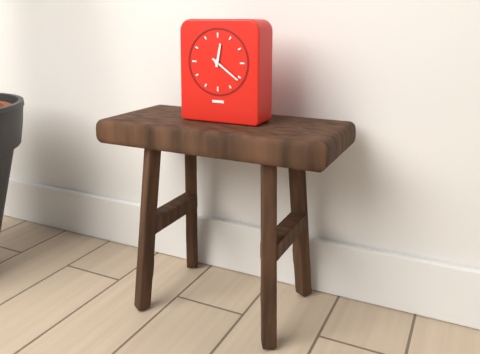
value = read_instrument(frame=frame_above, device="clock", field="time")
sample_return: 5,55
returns 12,21
